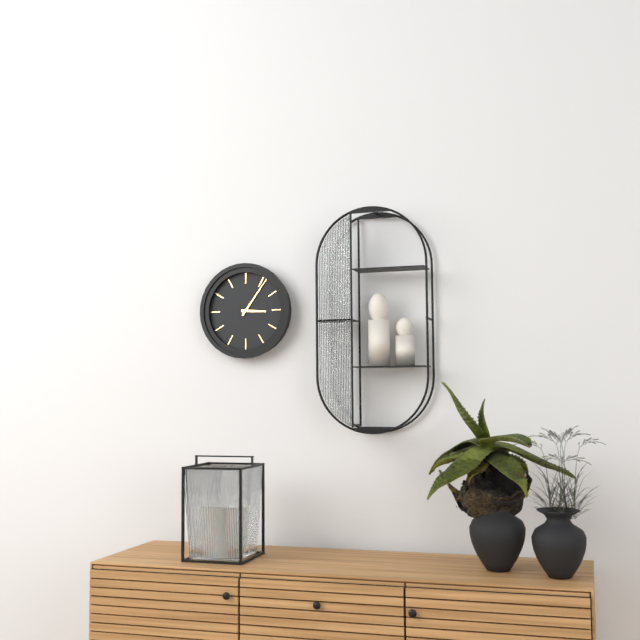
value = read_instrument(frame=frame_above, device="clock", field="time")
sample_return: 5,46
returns 3,06
